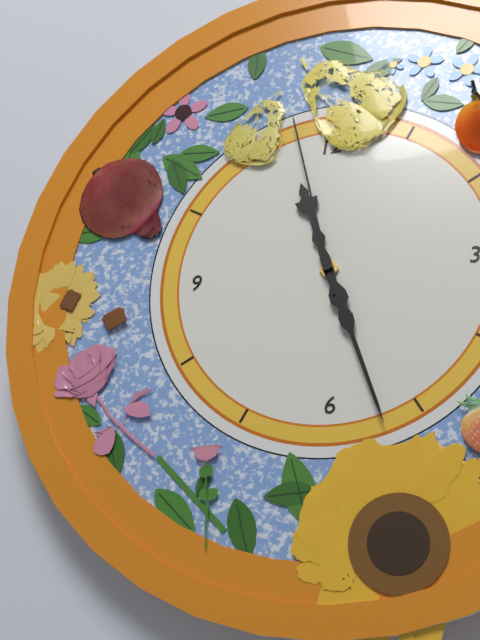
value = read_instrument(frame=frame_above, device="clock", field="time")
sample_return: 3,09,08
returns 11,27,58
